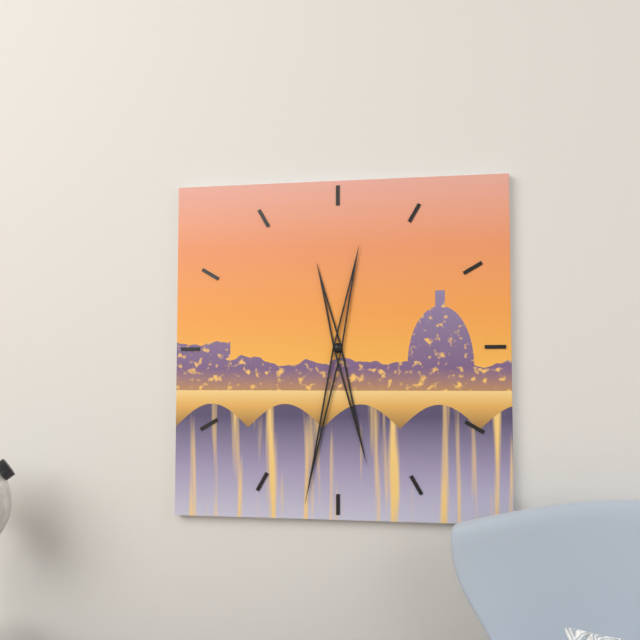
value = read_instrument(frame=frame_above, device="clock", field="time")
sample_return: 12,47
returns 5,32
